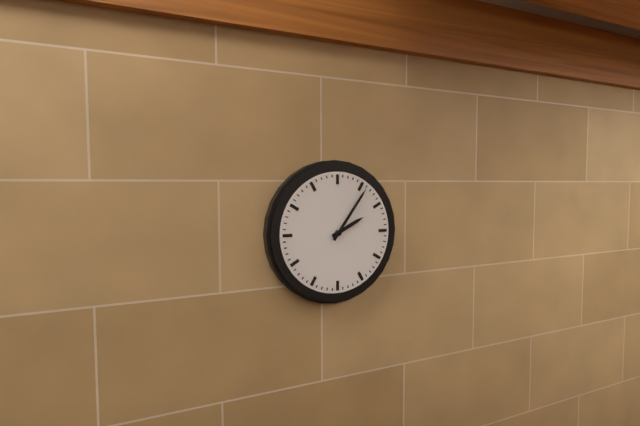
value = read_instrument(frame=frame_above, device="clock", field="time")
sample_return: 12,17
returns 2,06
